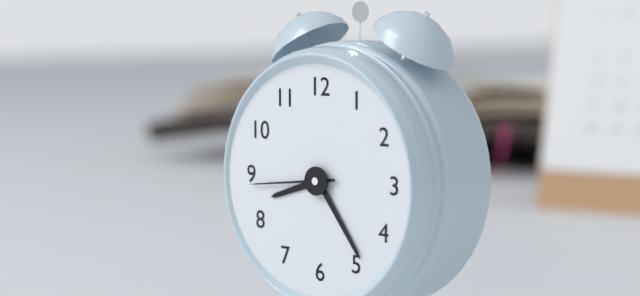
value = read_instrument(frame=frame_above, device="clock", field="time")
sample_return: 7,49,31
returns 8,24,44
